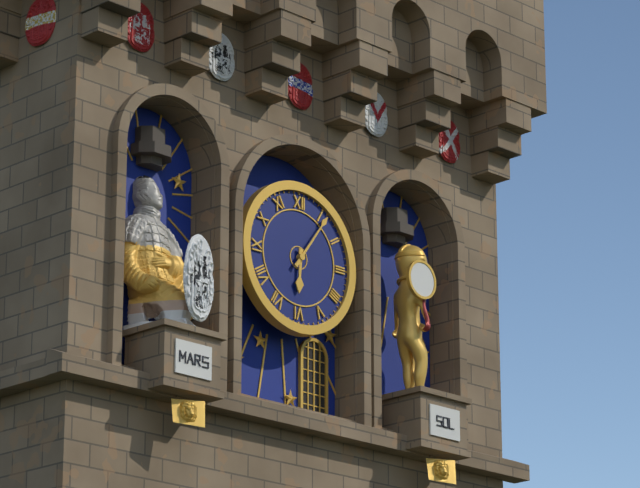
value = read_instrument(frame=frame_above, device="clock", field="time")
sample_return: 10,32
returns 6,06
